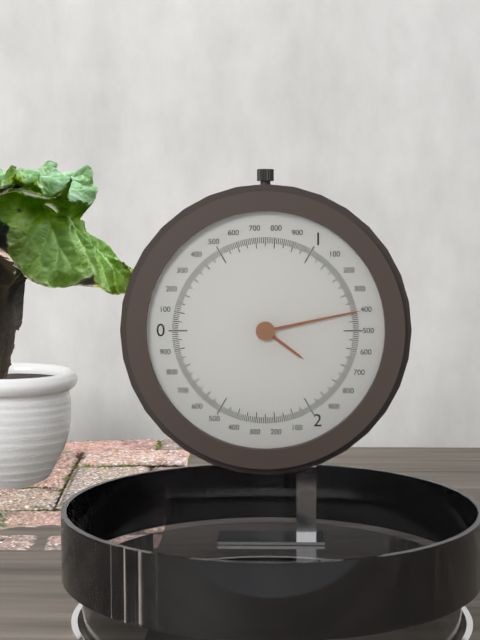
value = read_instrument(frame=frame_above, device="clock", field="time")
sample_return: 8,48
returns 4,13
